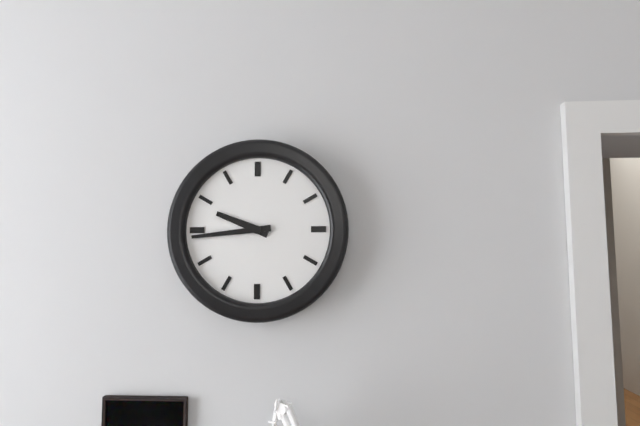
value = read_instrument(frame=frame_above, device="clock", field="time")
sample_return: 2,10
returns 9,44
